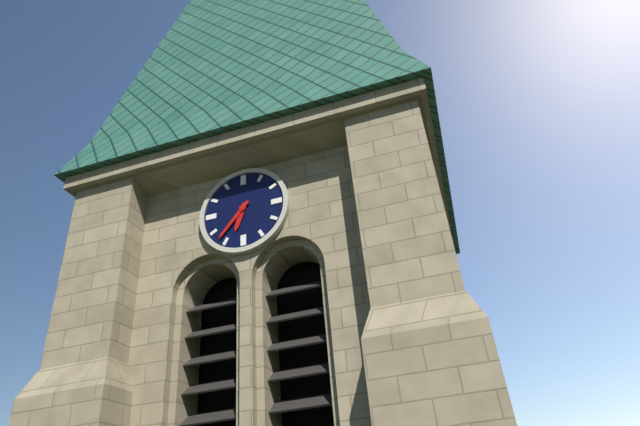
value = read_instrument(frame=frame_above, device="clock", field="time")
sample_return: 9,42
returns 6,37
